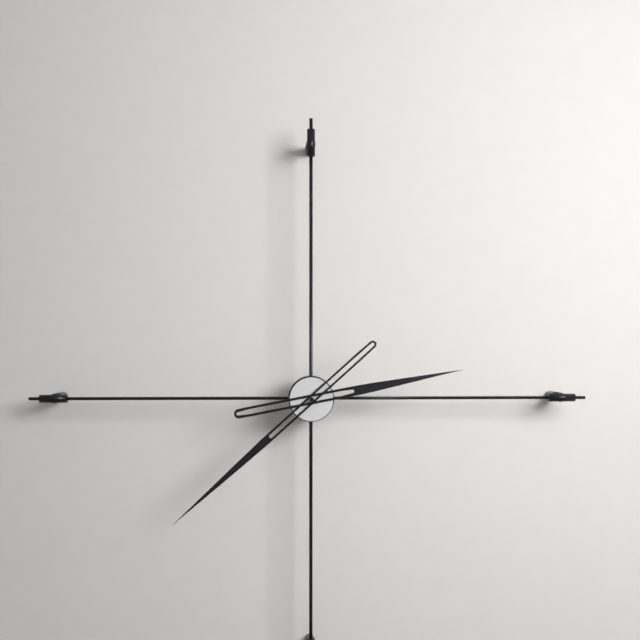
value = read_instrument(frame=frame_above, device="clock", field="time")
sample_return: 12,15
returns 2,38
